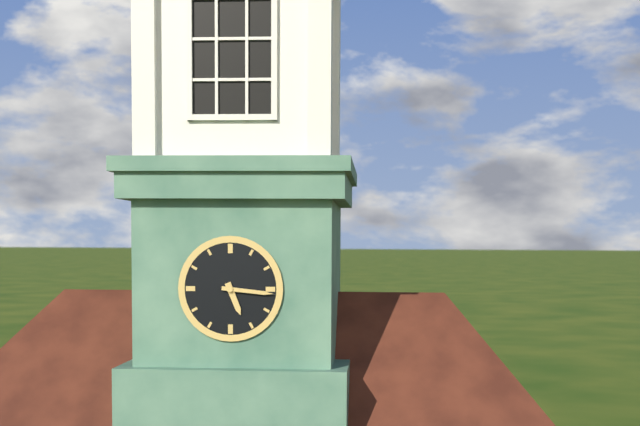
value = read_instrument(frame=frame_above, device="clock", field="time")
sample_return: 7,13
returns 5,16
